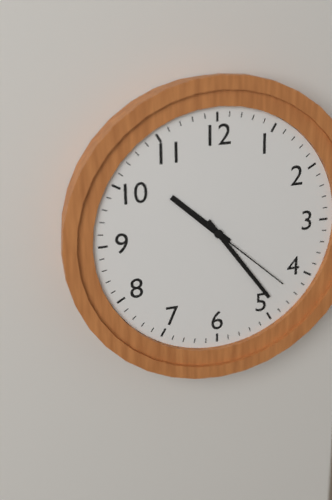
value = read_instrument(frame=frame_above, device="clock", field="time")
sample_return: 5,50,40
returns 10,24,22
